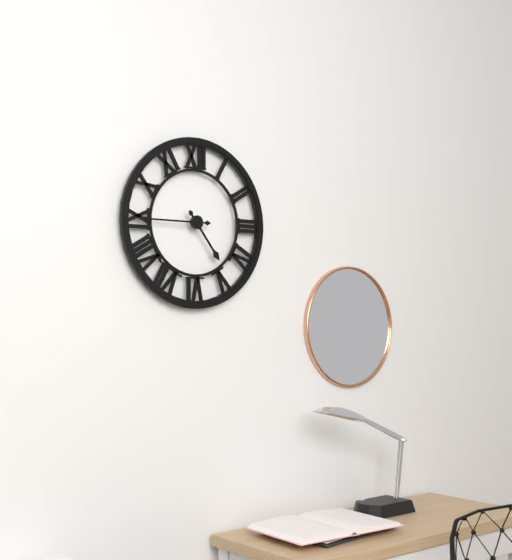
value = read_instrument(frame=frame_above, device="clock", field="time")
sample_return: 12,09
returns 4,45
